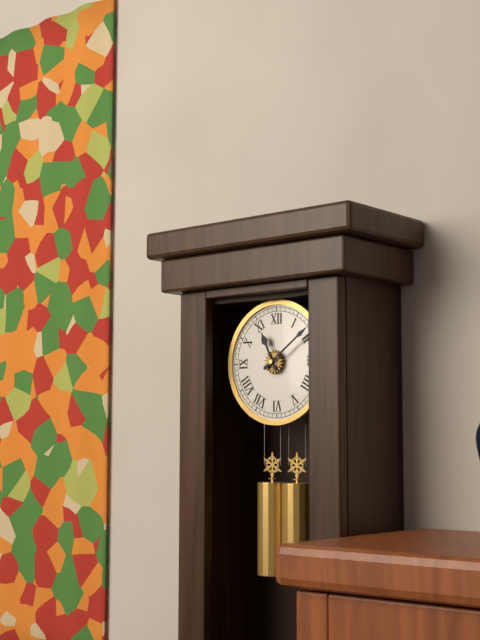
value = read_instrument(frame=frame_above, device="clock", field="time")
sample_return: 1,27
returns 11,09
